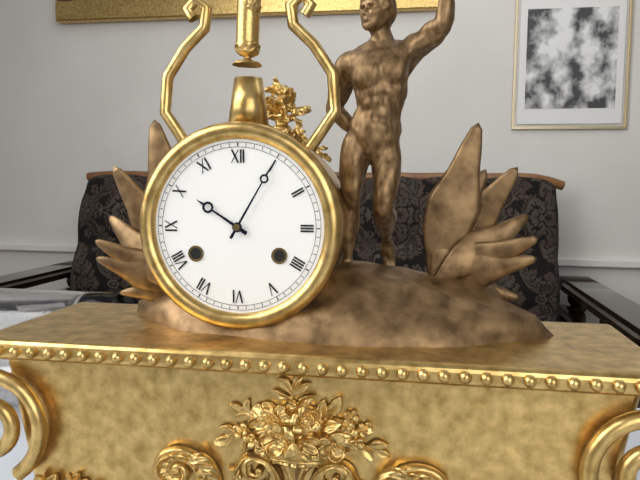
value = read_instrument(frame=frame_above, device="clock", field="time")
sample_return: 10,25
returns 10,05
